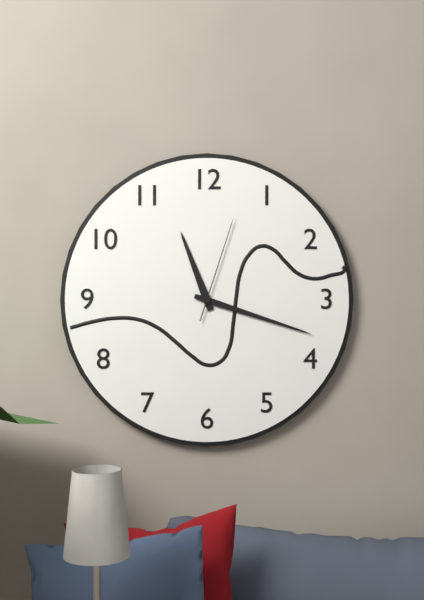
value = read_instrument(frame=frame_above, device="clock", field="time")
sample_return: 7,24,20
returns 11,18,03
